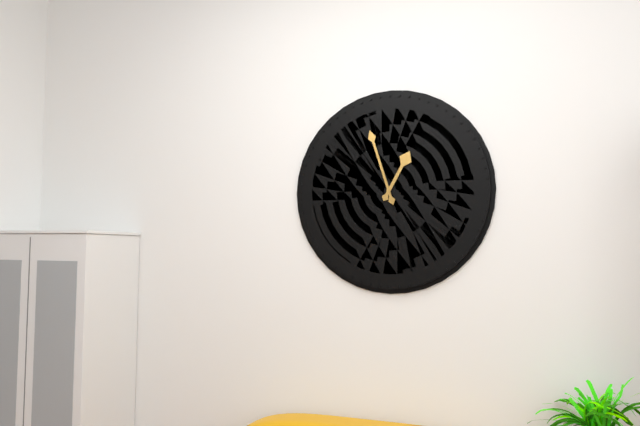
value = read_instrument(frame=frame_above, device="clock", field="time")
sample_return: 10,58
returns 12,57
